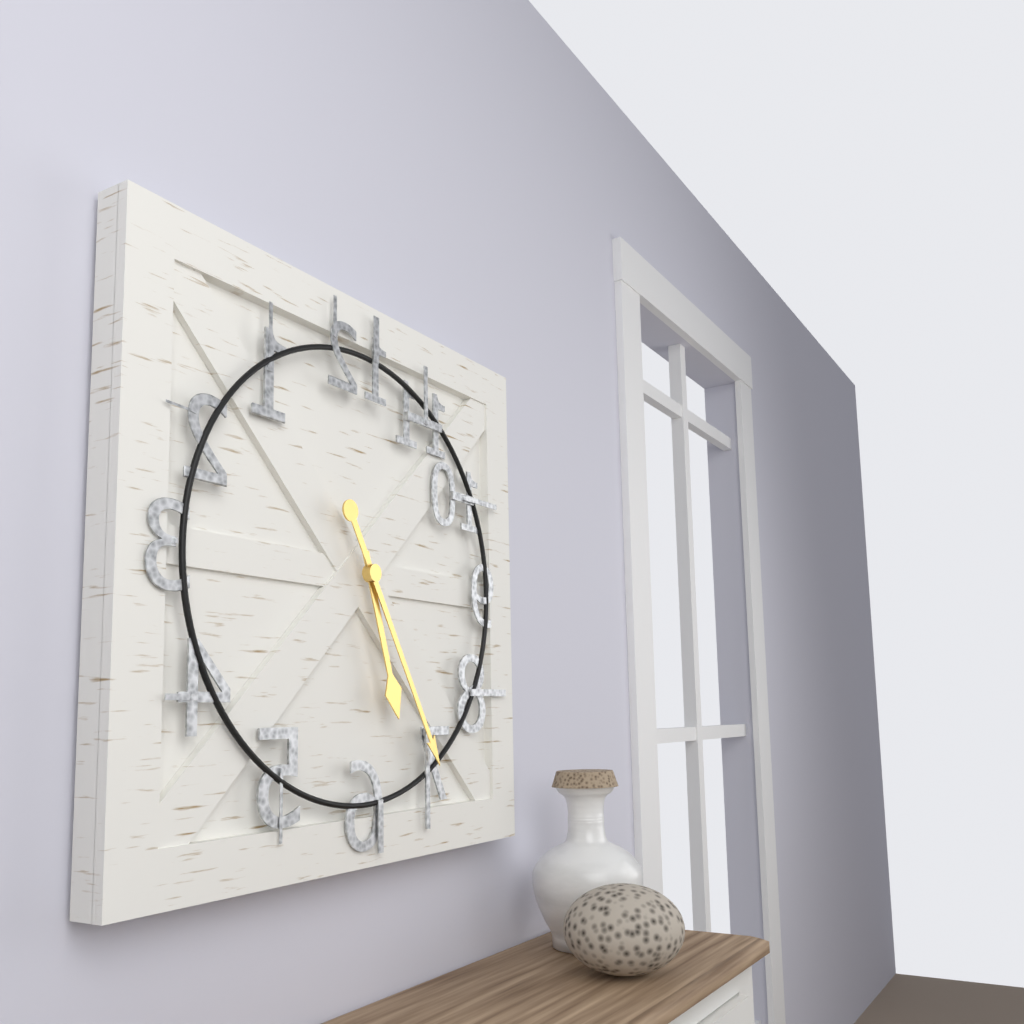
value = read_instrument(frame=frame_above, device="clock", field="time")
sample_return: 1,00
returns 5,25
